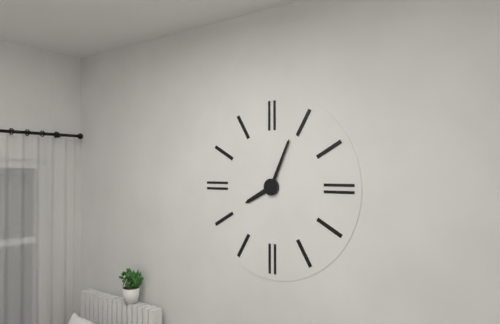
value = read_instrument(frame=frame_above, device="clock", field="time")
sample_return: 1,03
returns 8,04
